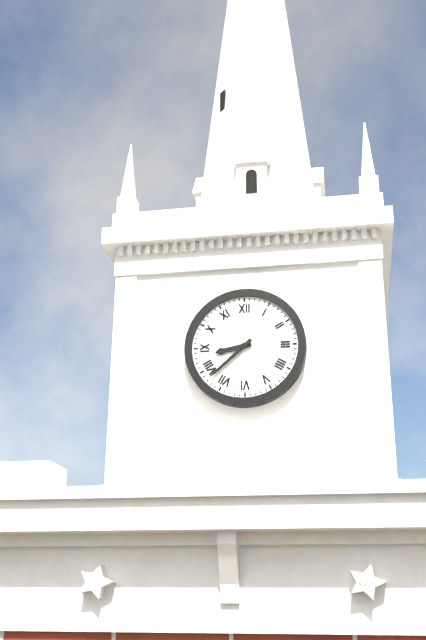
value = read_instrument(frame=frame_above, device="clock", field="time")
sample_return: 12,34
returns 8,38
